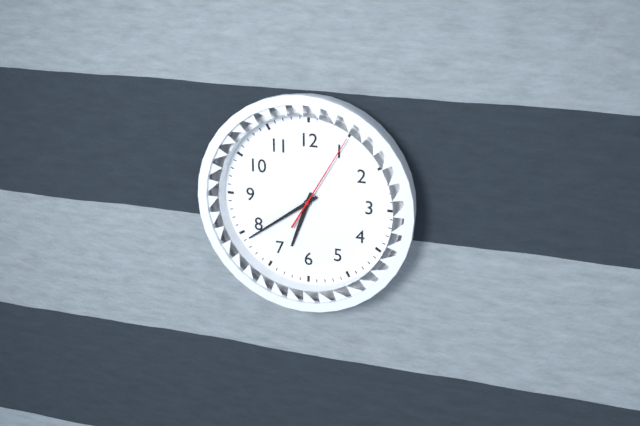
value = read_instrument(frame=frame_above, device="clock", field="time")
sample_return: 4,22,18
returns 6,39,05
